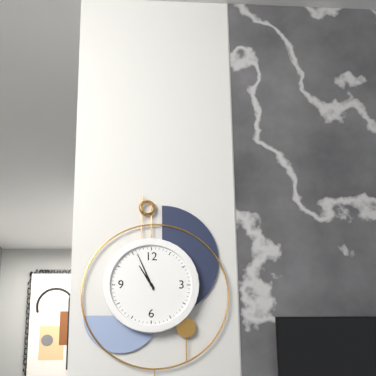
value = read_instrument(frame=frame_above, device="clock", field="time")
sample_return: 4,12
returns 10,56
